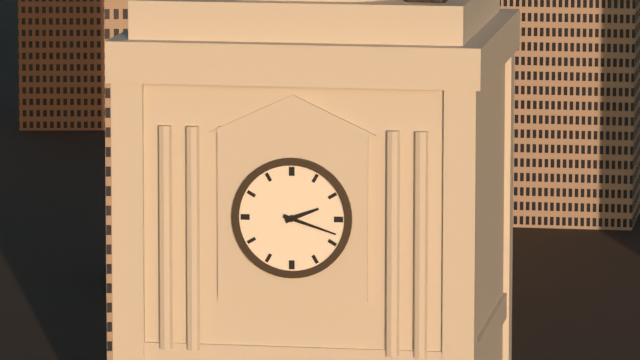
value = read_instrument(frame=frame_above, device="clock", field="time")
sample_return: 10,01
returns 2,18
